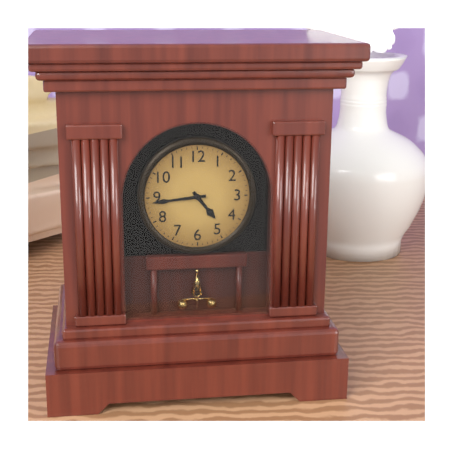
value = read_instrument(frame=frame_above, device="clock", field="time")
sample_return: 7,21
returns 4,44
